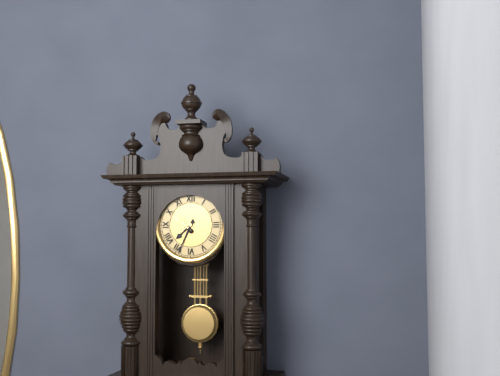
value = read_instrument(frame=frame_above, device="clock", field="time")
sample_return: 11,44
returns 7,34
